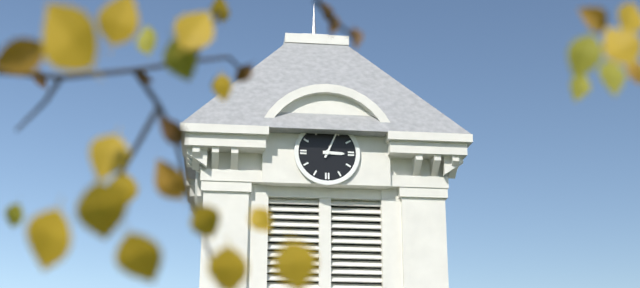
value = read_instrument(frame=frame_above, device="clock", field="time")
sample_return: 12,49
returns 3,04
